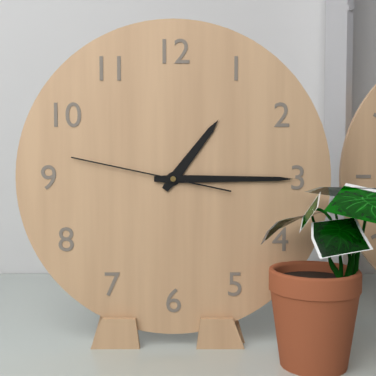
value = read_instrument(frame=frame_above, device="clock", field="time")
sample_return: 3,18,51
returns 1,15,47
